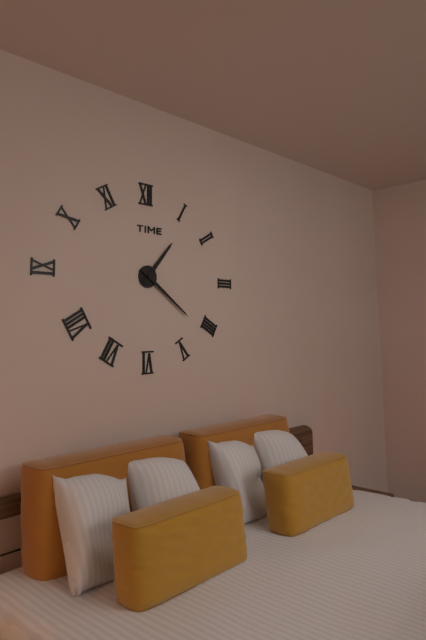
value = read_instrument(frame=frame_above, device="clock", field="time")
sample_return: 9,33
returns 1,21
